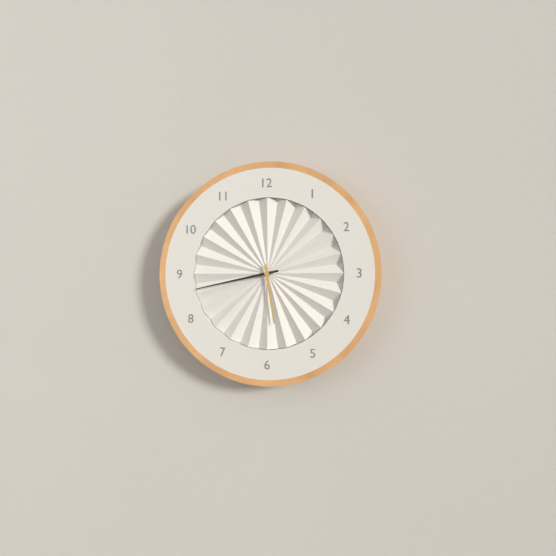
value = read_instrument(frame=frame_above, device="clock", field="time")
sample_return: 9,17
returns 5,43
